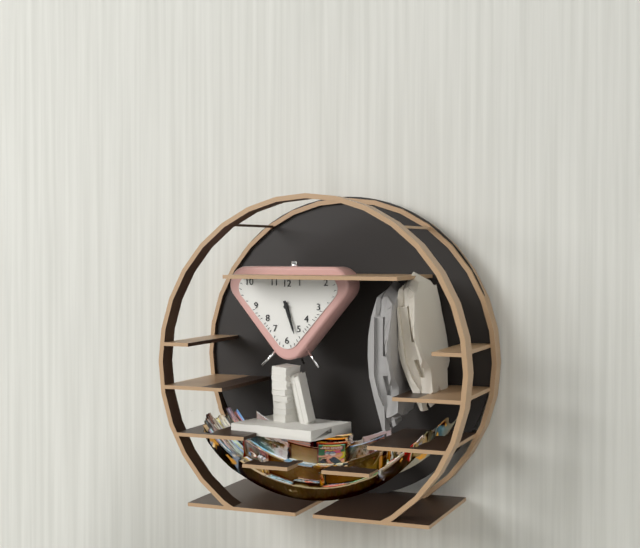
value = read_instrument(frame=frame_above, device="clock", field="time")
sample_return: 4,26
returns 5,27
